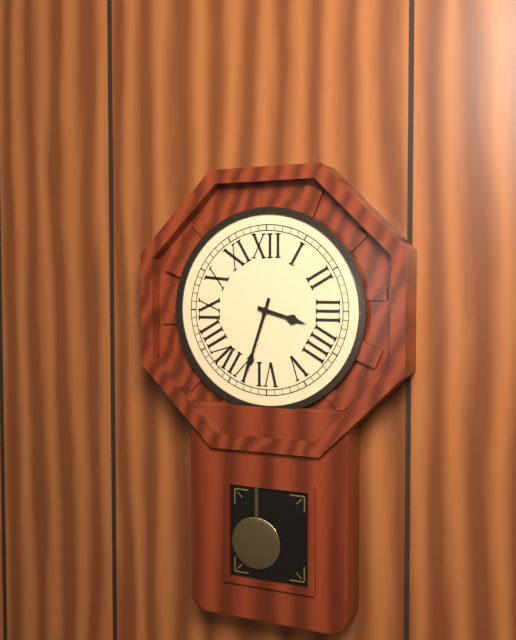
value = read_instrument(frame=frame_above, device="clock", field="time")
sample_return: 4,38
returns 3,33
